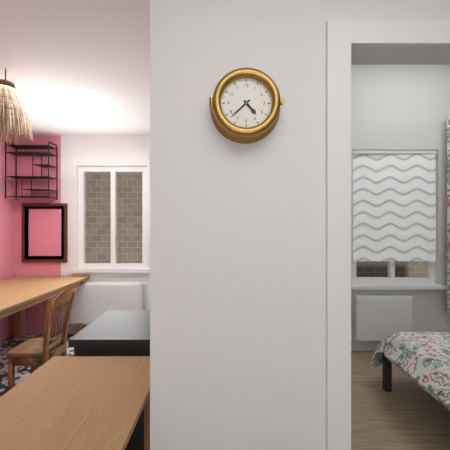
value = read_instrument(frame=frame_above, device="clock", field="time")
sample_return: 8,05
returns 4,38
